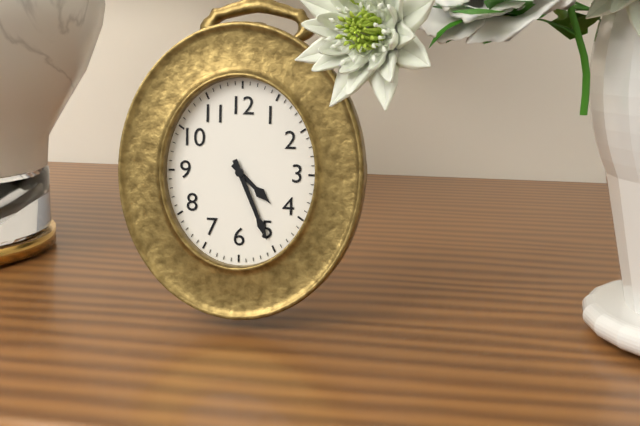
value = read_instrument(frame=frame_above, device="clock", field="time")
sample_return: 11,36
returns 4,26
